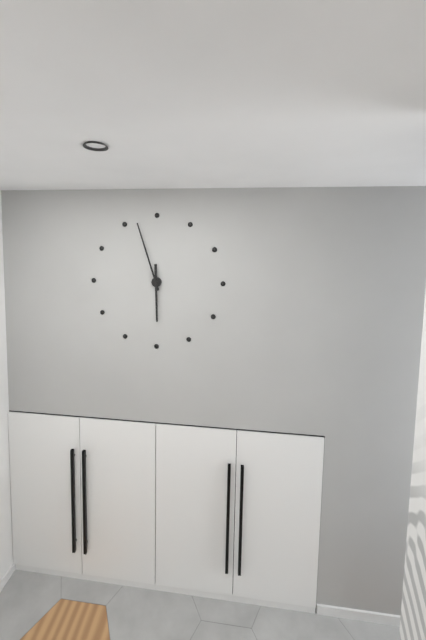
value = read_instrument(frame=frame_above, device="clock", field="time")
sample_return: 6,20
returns 5,57
